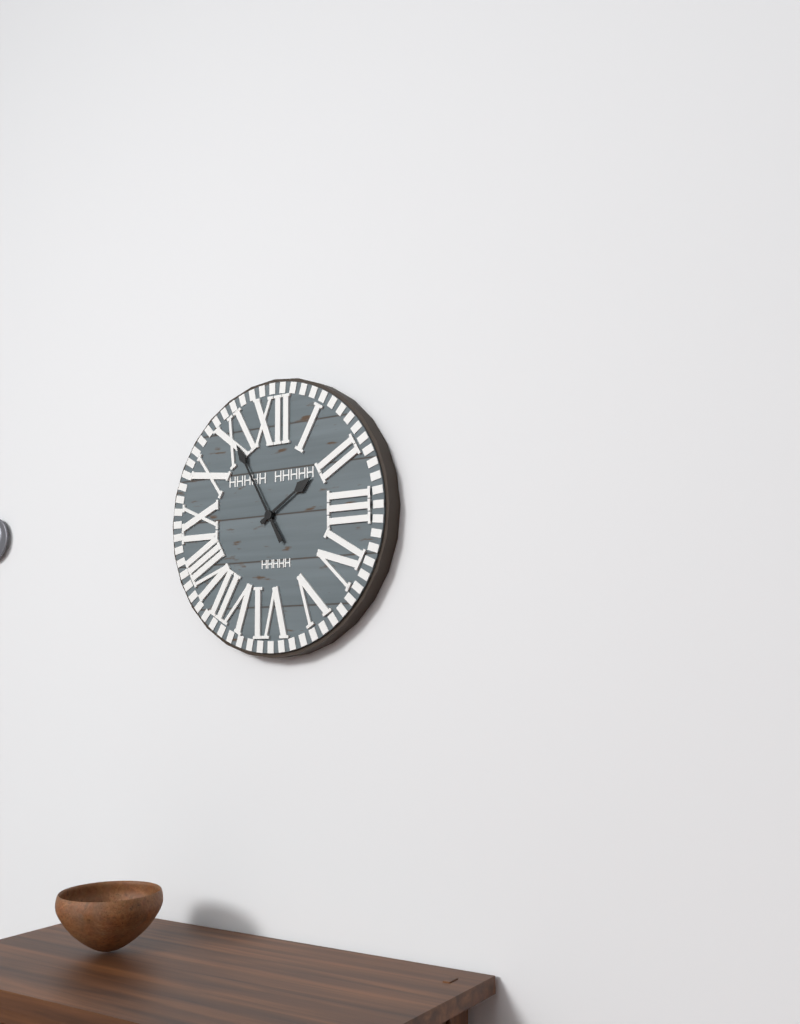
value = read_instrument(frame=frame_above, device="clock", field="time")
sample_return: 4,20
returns 1,55
